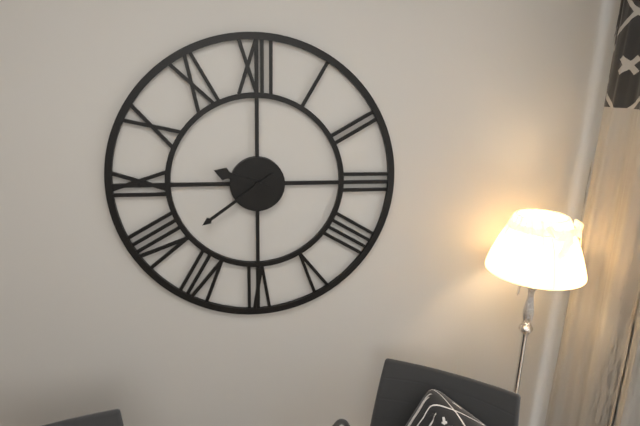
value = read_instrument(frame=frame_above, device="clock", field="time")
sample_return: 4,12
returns 9,39
